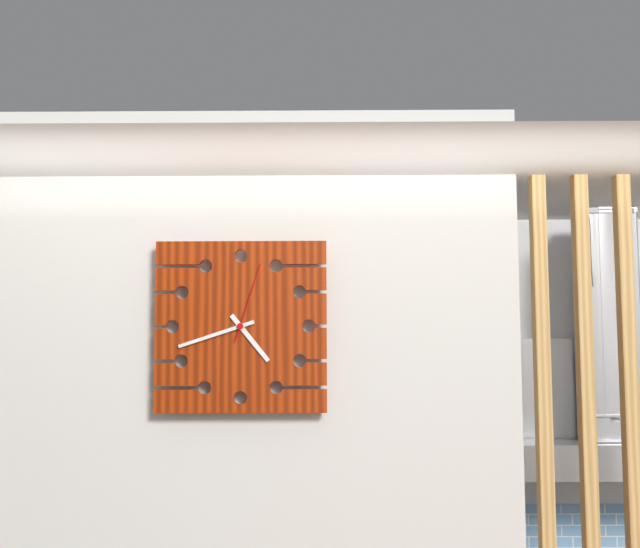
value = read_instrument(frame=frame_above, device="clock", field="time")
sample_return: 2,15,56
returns 4,42,03
